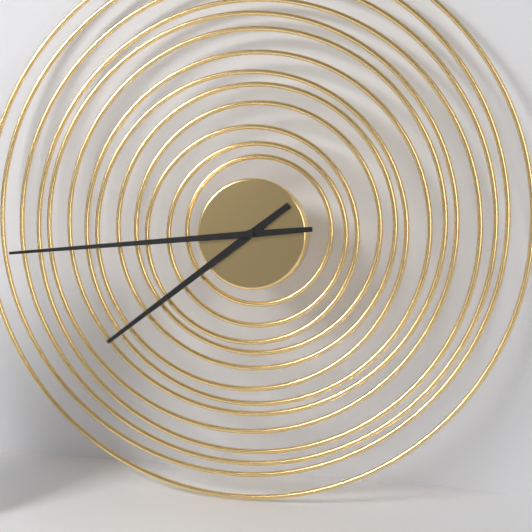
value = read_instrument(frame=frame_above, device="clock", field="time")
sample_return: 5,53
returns 7,44
